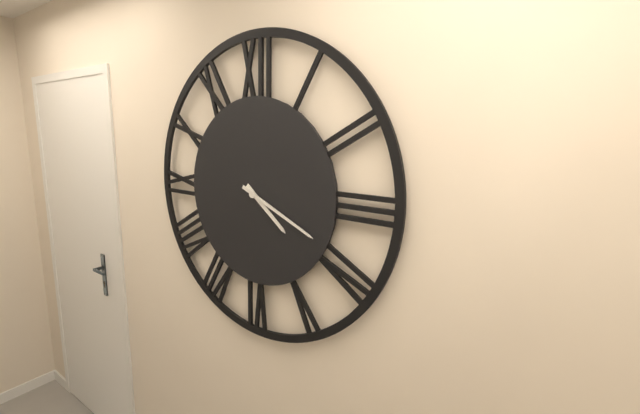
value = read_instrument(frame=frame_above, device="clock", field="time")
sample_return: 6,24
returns 4,19
